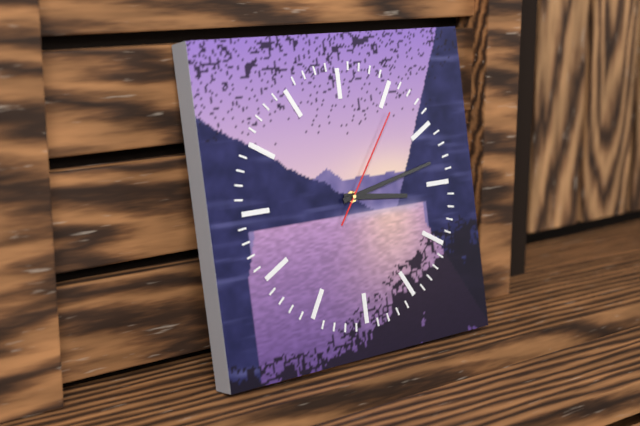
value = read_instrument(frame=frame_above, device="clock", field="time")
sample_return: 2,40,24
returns 3,13,06
